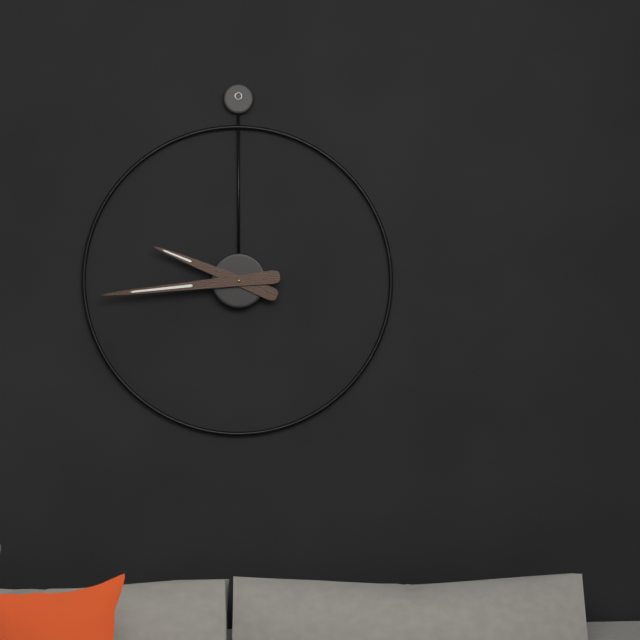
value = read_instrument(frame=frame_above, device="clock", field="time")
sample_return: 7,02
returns 9,44
